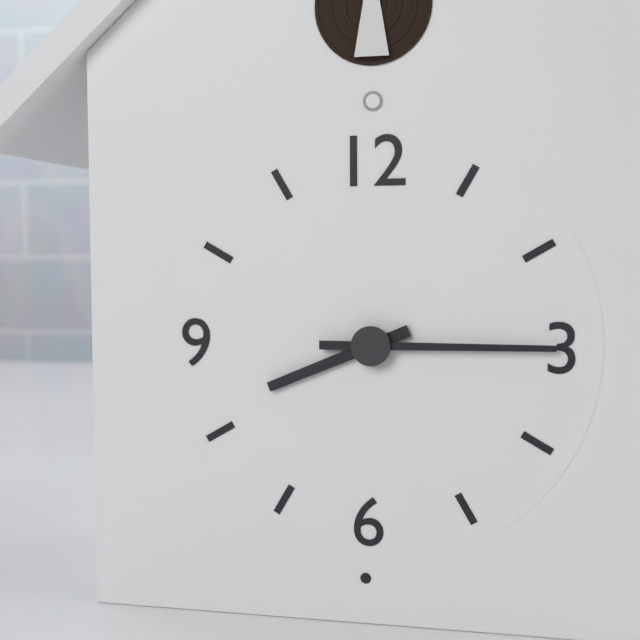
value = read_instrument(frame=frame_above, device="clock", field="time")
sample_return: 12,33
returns 8,15
